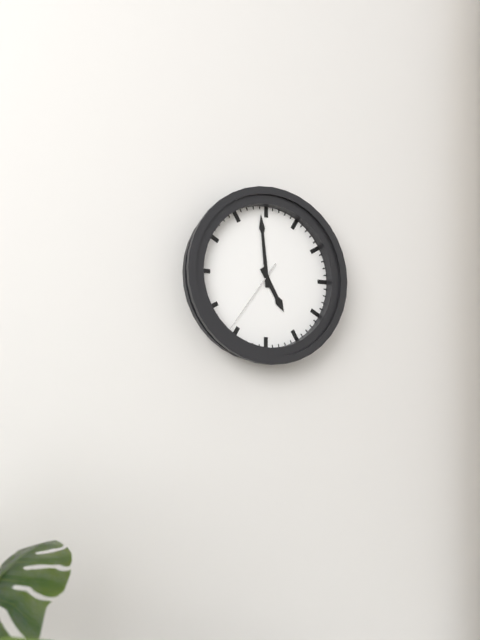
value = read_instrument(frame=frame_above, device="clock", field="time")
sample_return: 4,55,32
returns 4,59,36
